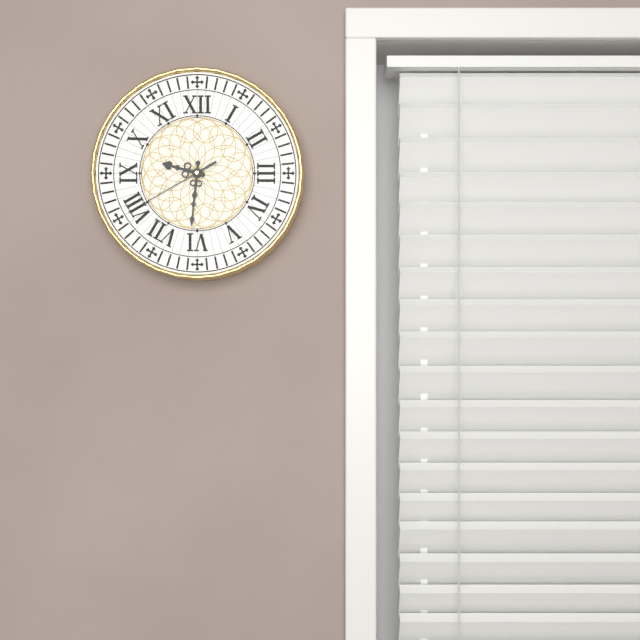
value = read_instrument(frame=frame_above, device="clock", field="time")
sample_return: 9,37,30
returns 9,31,40
